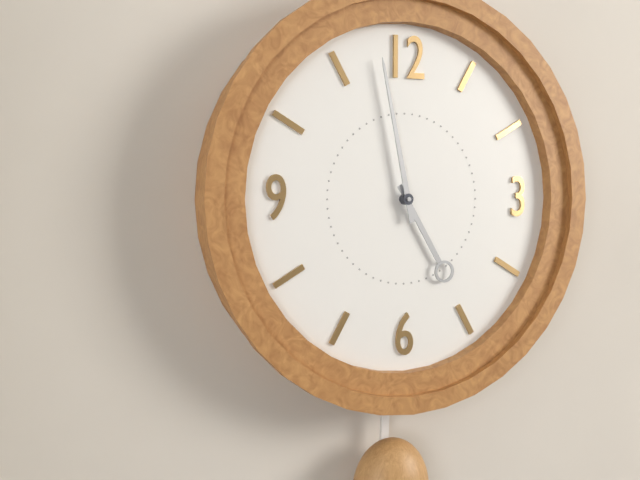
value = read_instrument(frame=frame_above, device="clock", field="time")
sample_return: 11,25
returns 4,58
